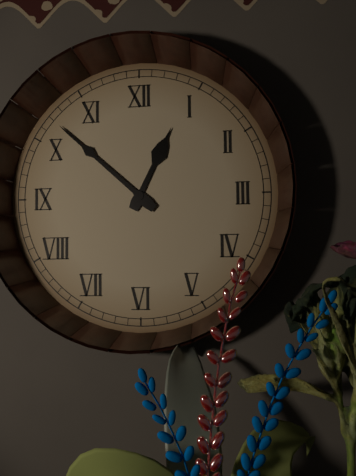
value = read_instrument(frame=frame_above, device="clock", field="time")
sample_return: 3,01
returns 12,52
